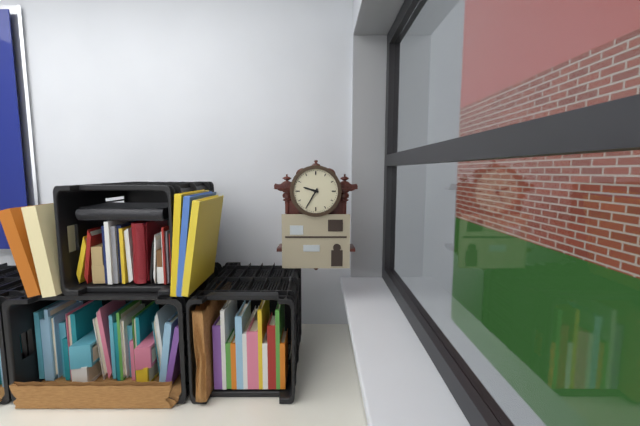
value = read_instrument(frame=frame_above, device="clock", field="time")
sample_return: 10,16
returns 9,35
